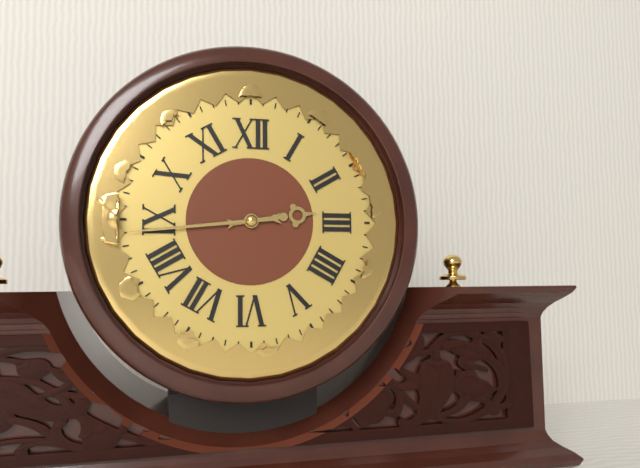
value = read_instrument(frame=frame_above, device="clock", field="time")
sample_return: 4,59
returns 2,44
